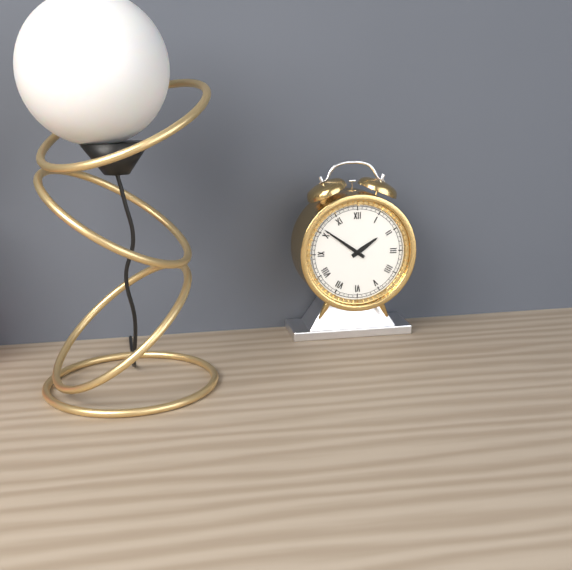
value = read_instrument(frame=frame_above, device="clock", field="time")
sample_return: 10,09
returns 1,51
